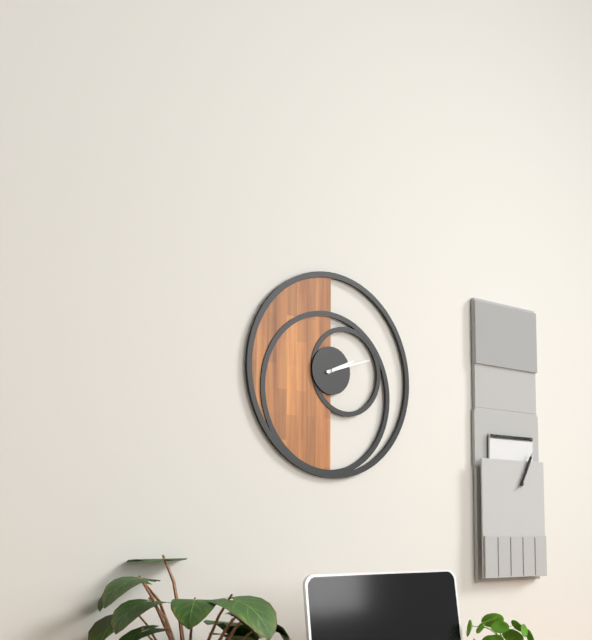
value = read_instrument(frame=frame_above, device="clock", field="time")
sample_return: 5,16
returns 2,12
